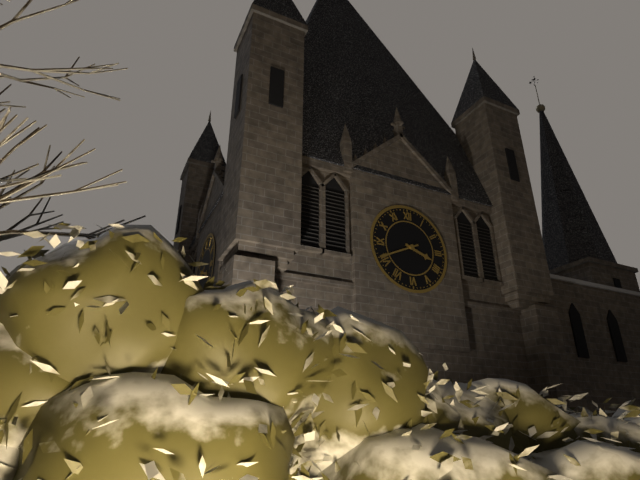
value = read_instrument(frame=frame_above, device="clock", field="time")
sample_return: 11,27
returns 3,41
